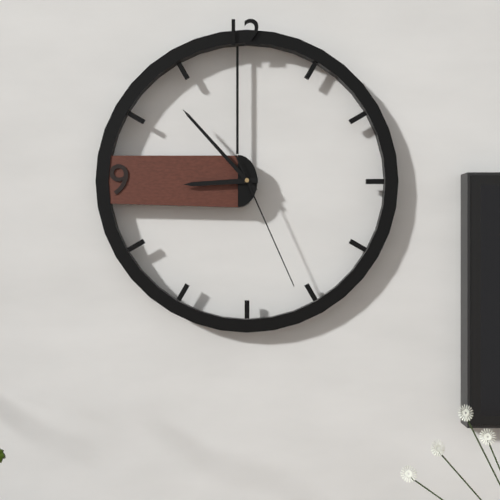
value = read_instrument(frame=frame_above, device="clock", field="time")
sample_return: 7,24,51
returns 8,53,26
